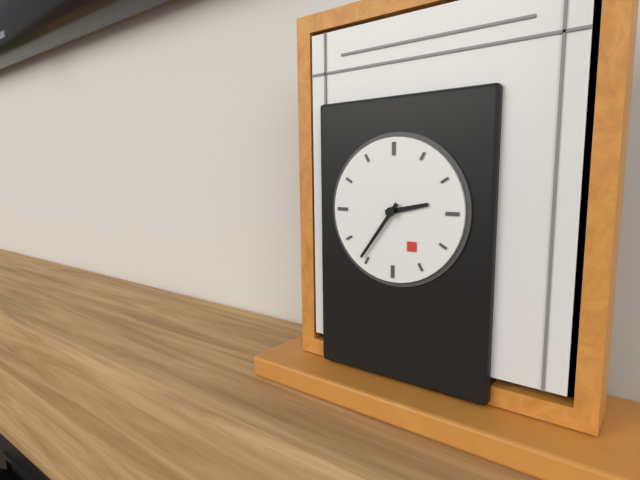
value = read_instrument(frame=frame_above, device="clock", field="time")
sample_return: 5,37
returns 2,36
